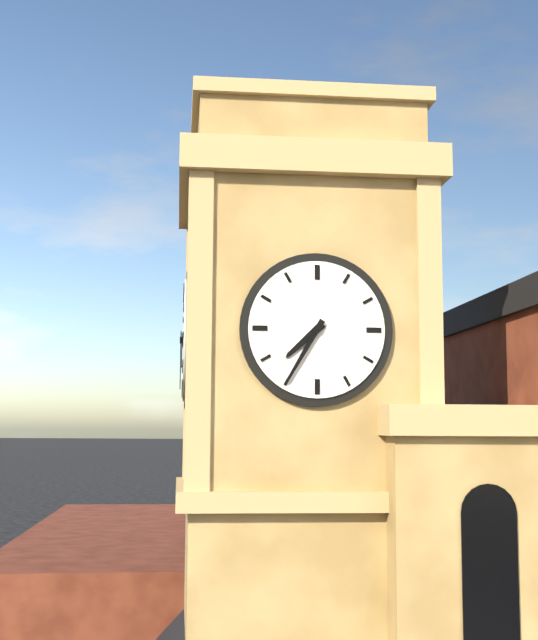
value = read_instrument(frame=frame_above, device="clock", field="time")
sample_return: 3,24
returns 7,35
